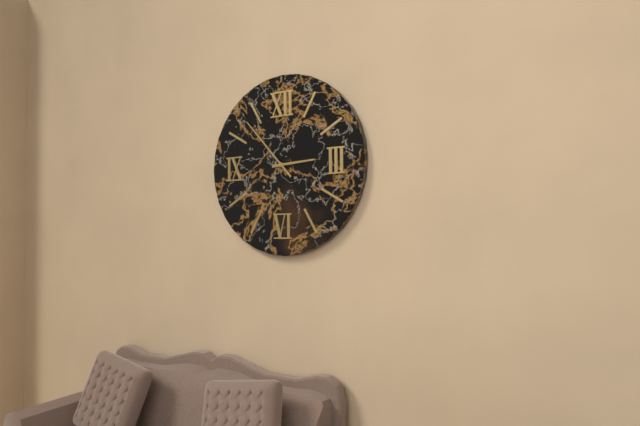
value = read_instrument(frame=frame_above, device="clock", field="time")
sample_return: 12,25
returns 2,53
